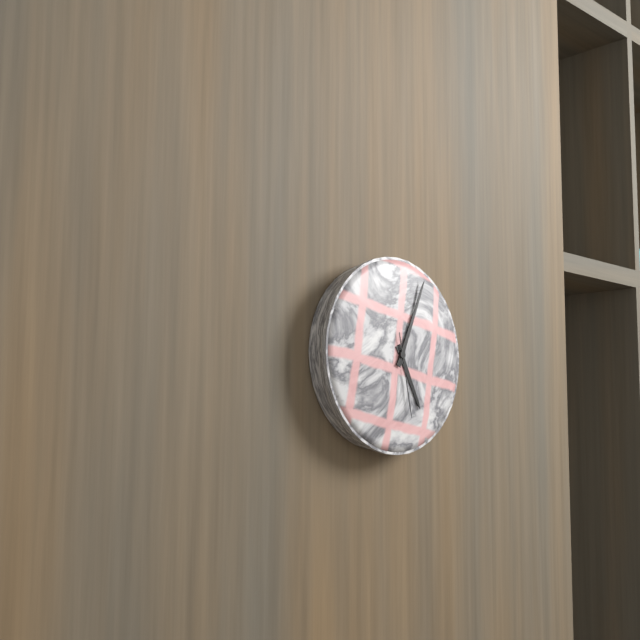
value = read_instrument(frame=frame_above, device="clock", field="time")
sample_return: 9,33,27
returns 5,04,28
